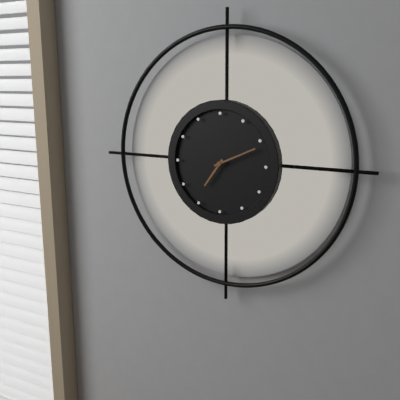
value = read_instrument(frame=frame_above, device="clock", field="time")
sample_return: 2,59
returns 7,11
